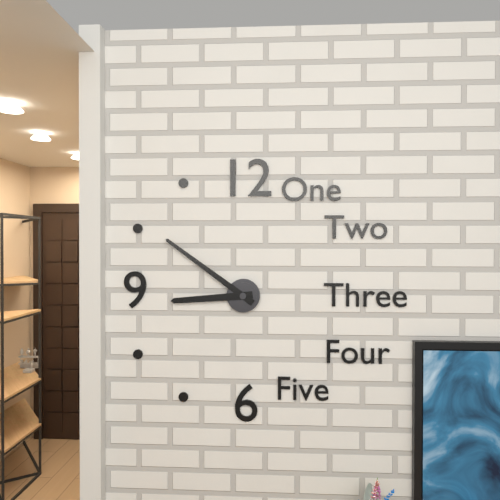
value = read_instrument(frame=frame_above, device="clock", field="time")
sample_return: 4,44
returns 8,51
